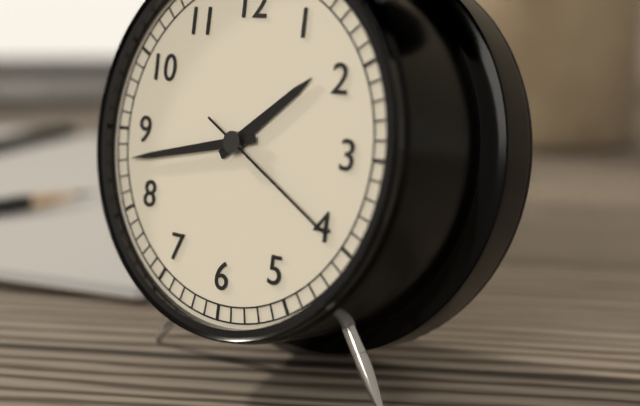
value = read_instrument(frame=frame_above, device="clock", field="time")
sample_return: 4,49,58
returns 1,43,20
